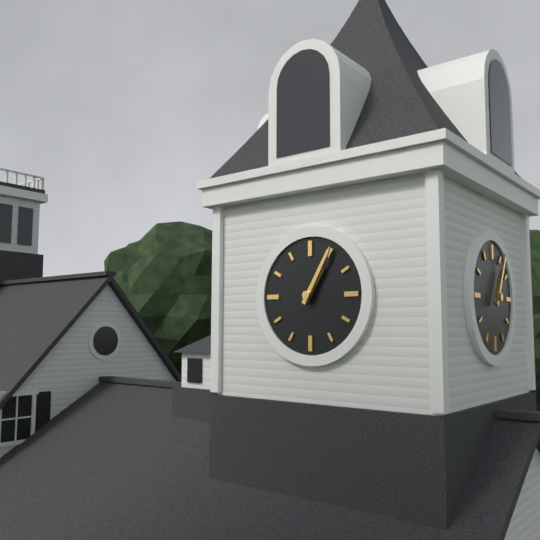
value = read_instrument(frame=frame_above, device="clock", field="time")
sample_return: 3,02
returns 1,05
